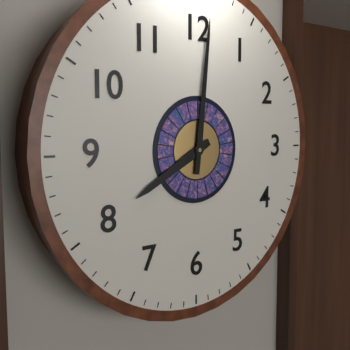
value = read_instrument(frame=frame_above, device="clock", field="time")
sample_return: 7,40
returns 8,01
